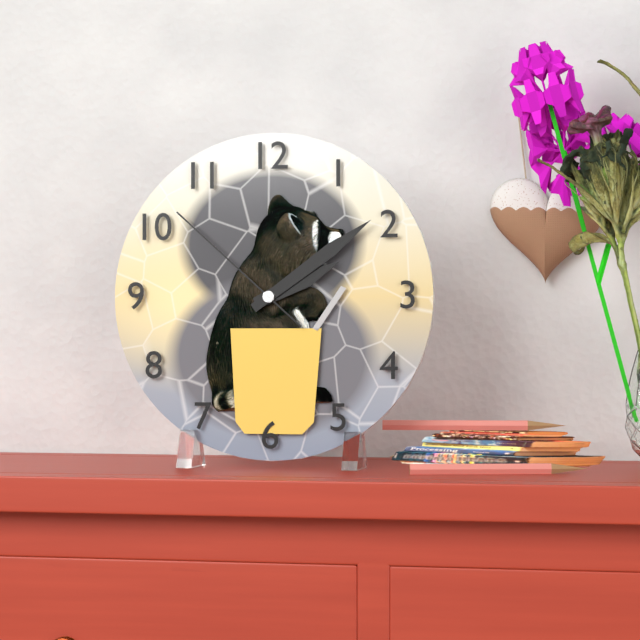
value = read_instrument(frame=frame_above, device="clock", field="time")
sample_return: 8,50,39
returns 2,09,52
